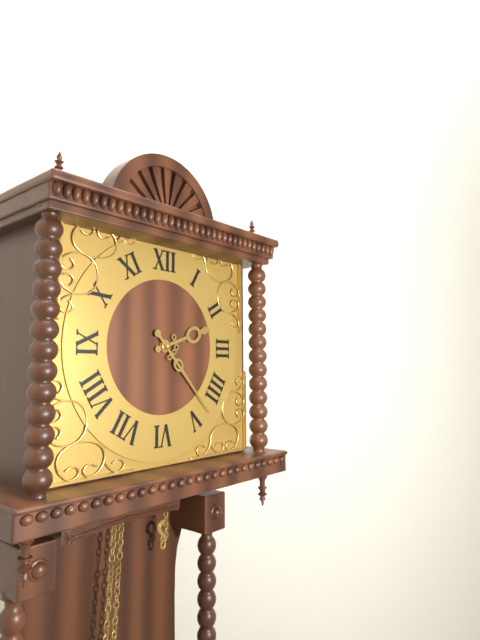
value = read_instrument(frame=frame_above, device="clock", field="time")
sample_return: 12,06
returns 2,23
